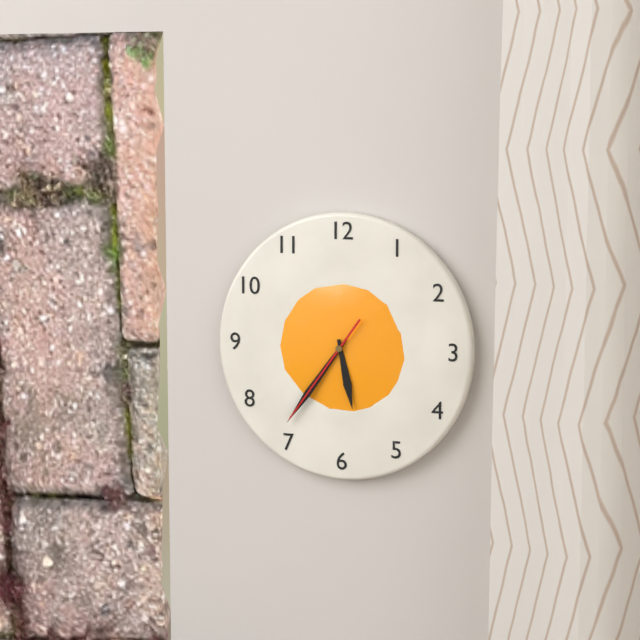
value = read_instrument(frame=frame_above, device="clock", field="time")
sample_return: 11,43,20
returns 5,36,36
